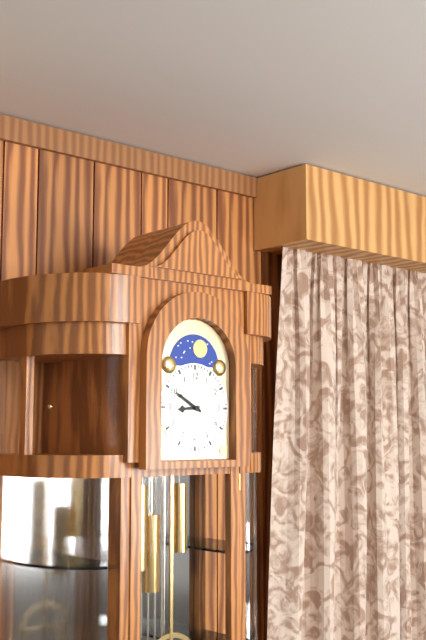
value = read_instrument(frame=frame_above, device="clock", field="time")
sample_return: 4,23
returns 8,50
